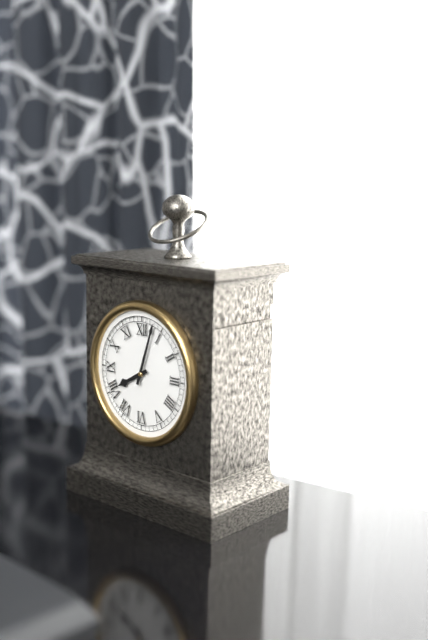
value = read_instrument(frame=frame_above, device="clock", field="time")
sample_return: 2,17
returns 8,03
